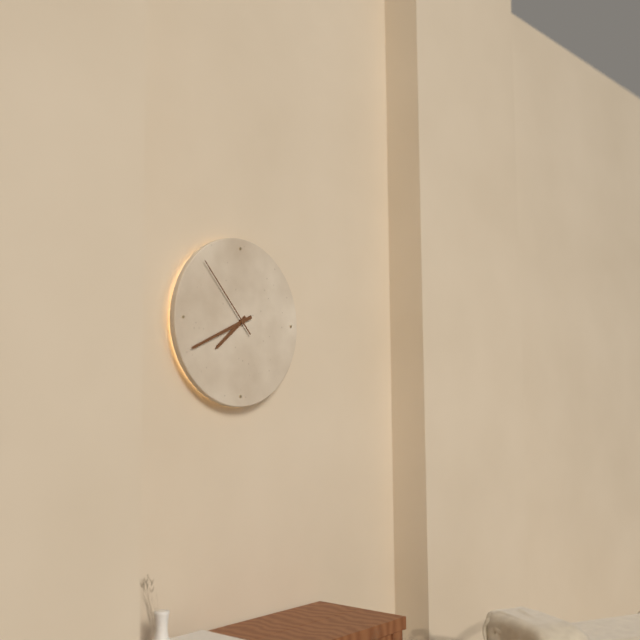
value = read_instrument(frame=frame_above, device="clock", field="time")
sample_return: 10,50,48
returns 7,41,53
